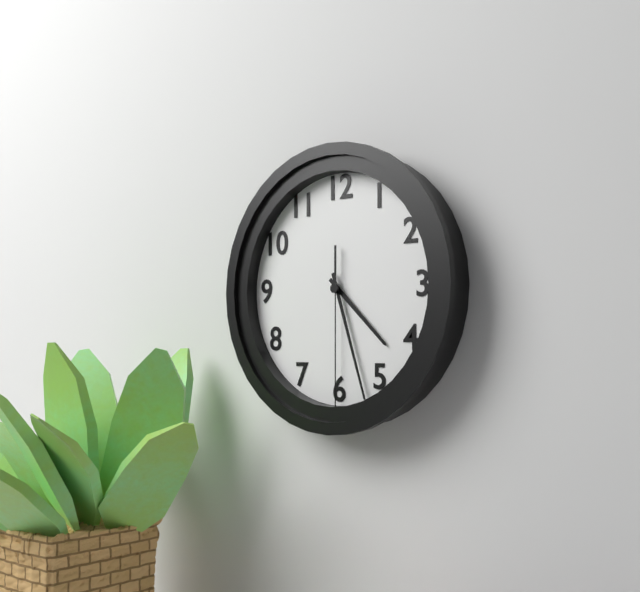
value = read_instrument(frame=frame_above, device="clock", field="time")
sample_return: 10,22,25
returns 4,27,30
